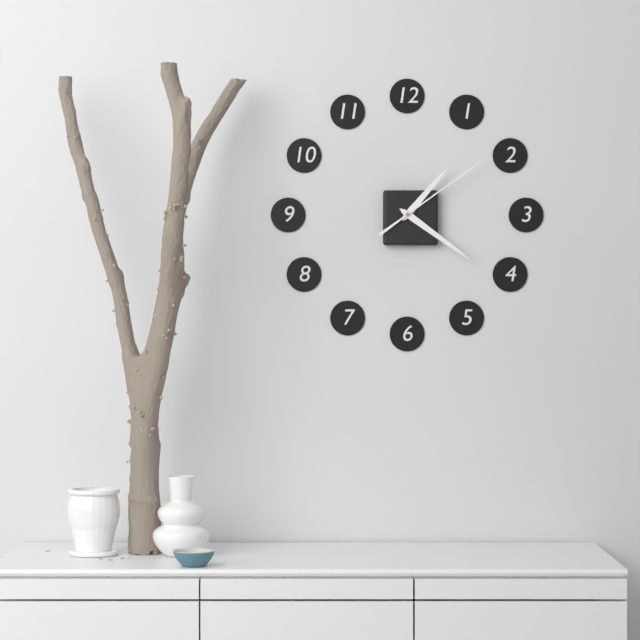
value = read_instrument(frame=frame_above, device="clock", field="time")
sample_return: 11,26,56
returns 1,21,09
